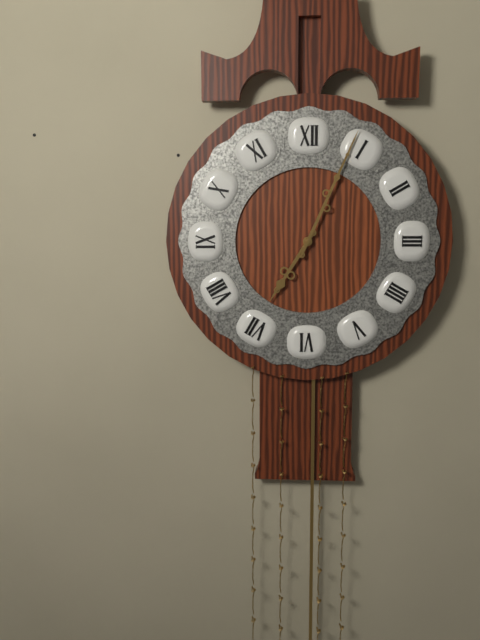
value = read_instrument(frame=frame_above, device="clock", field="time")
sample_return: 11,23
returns 7,04
